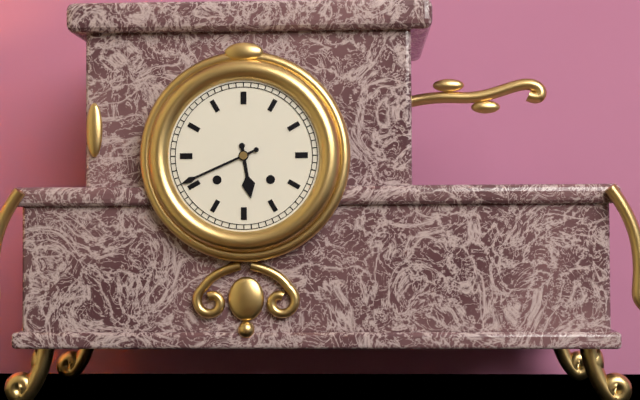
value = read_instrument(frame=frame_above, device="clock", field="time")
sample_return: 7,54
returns 5,41
